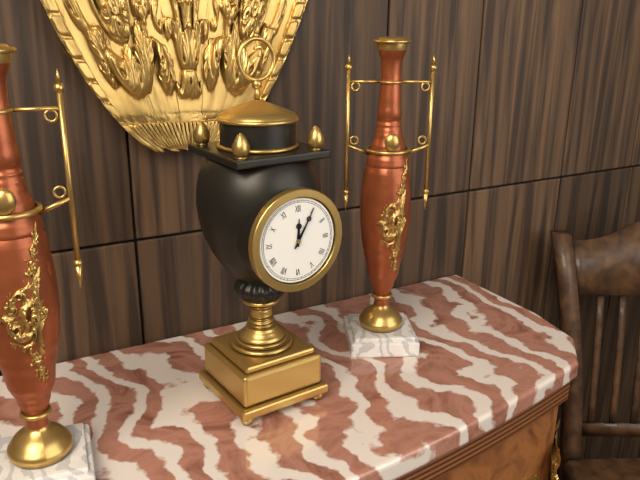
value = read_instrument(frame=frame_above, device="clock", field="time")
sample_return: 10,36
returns 12,05
